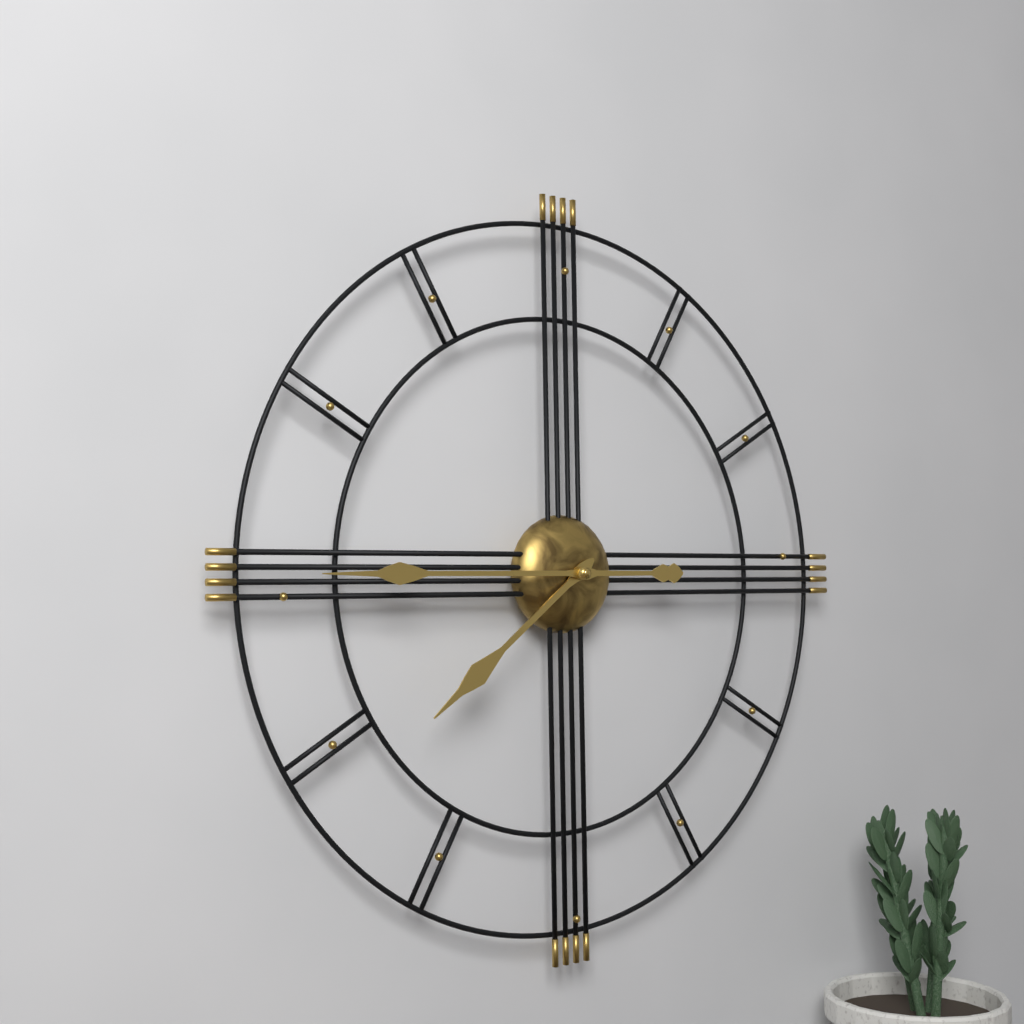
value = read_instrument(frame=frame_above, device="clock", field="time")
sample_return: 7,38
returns 7,45
